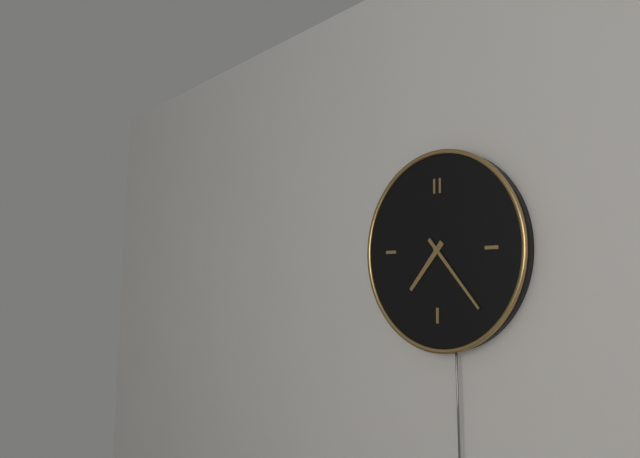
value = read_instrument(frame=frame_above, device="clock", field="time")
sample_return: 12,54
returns 7,23
